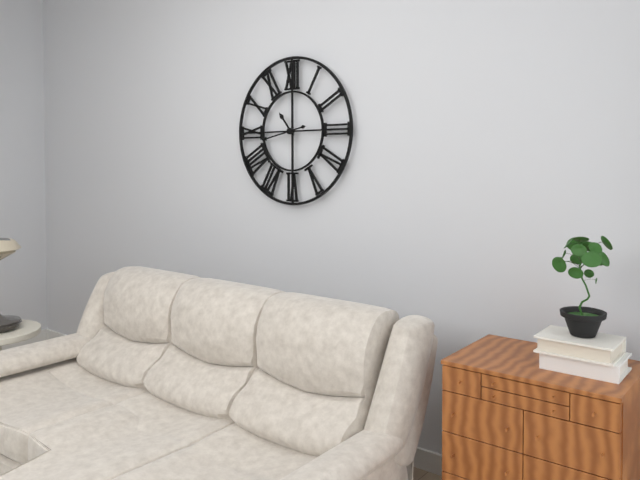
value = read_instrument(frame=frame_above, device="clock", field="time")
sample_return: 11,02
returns 10,43
